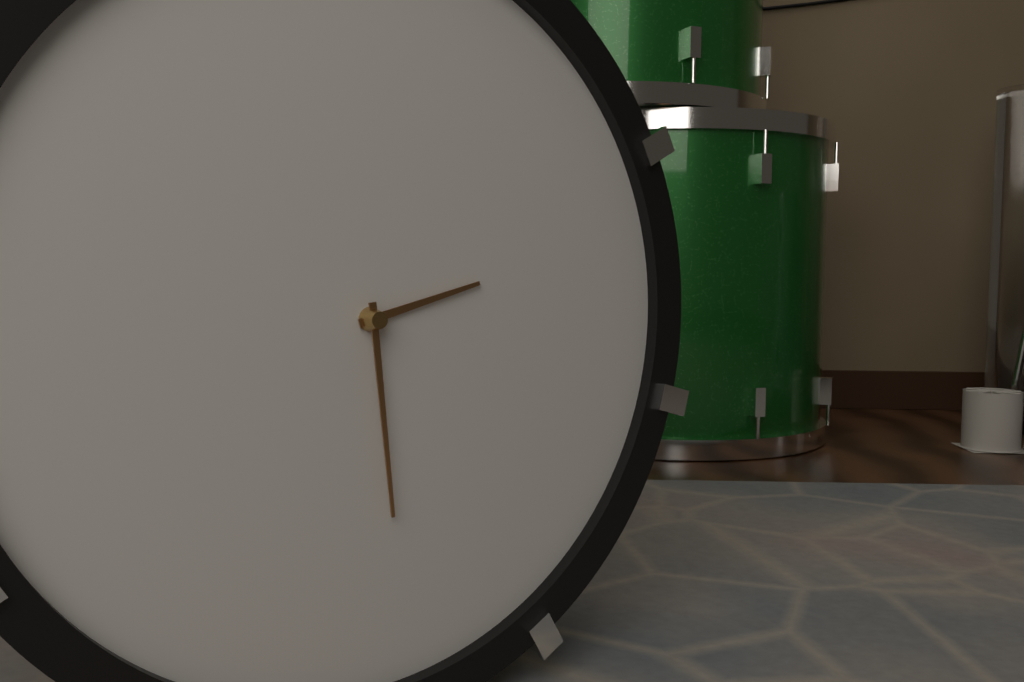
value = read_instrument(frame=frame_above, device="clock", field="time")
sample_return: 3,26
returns 2,29
